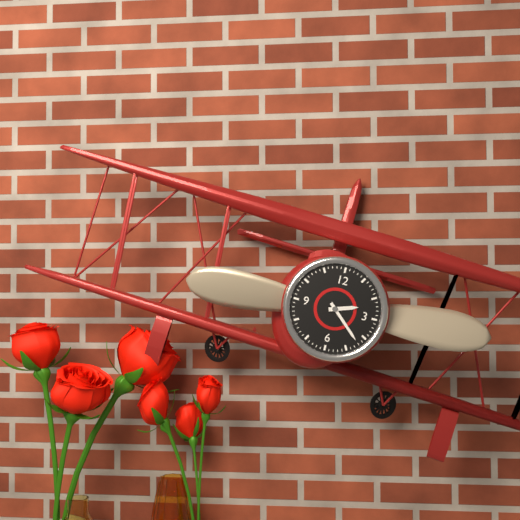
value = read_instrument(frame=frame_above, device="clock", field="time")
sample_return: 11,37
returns 2,22
